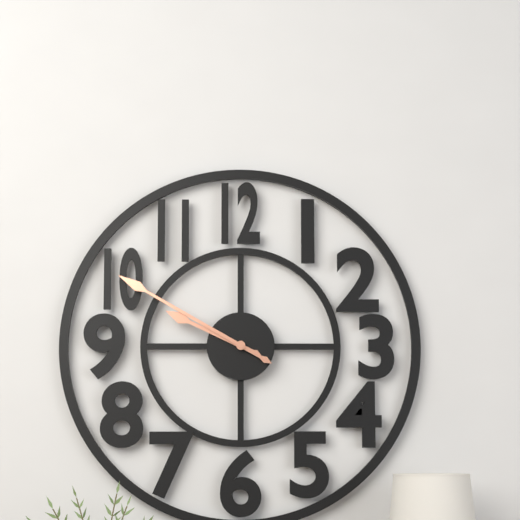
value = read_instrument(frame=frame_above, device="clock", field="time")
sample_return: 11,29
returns 9,50
